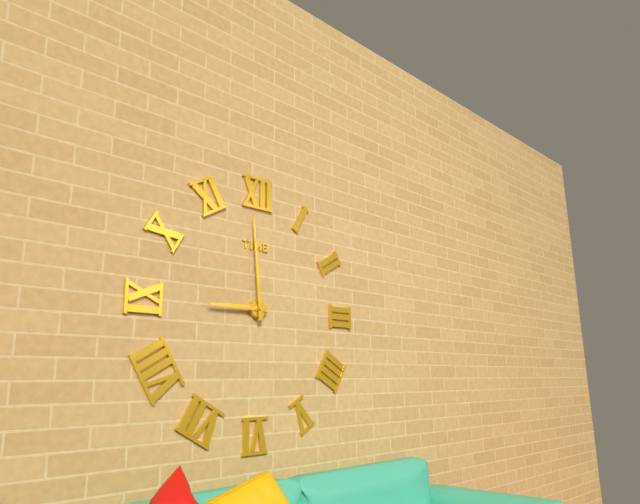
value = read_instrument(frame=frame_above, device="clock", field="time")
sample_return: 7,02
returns 8,59
